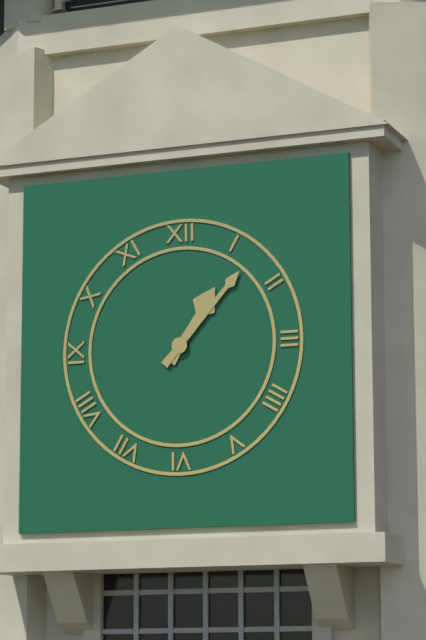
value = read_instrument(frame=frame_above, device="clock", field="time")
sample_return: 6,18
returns 1,07
